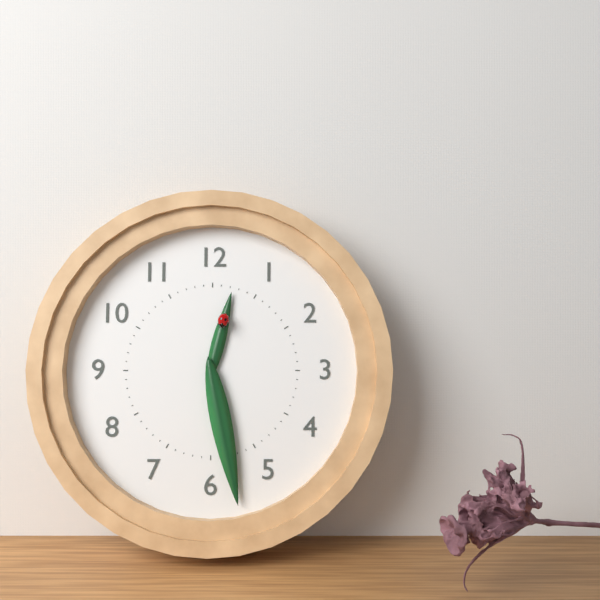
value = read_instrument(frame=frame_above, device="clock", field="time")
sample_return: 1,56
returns 12,28
